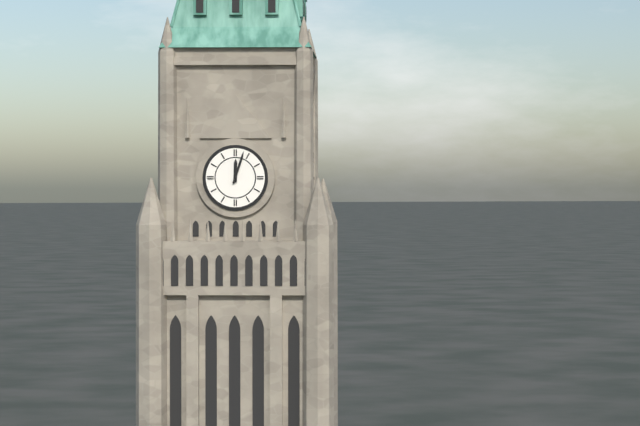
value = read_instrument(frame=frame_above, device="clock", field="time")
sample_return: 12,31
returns 12,03
